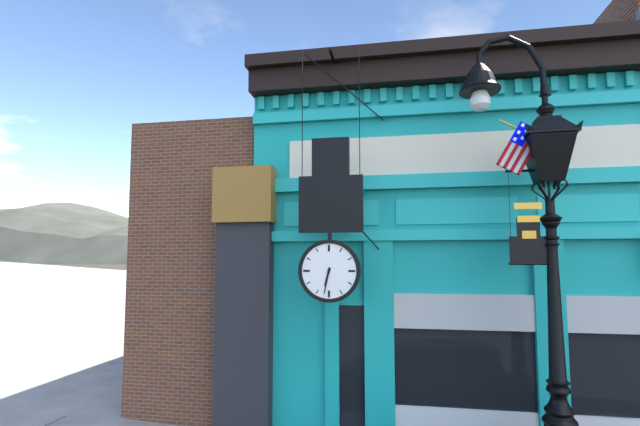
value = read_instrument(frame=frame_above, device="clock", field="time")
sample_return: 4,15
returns 6,32
